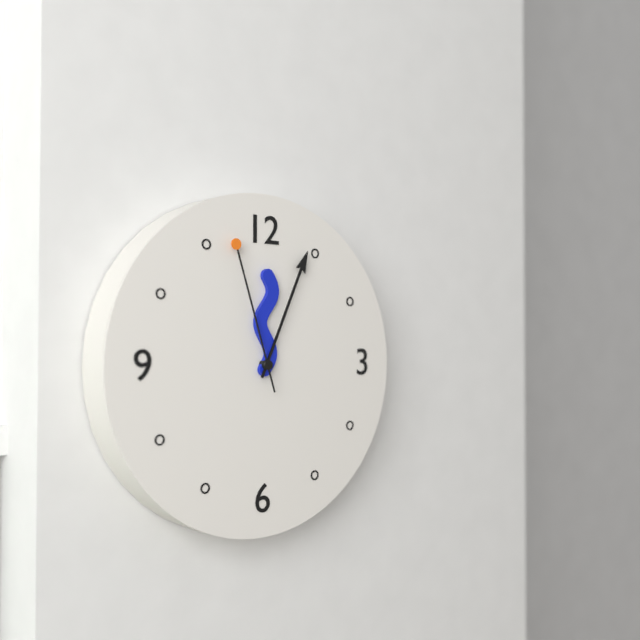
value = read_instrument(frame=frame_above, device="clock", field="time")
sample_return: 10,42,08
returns 12,04,57
